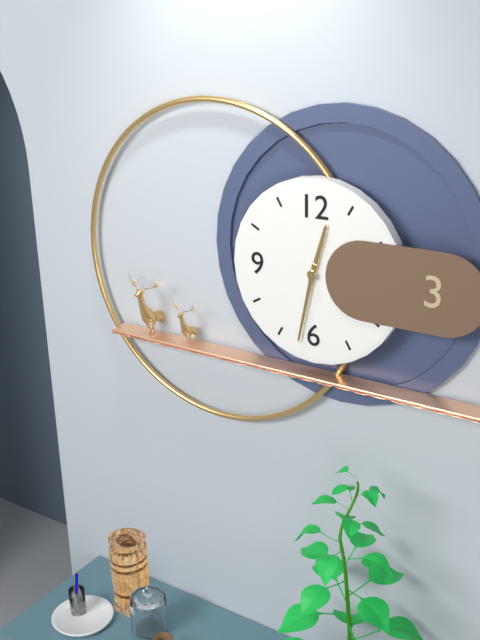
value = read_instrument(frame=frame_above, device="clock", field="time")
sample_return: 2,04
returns 12,32
